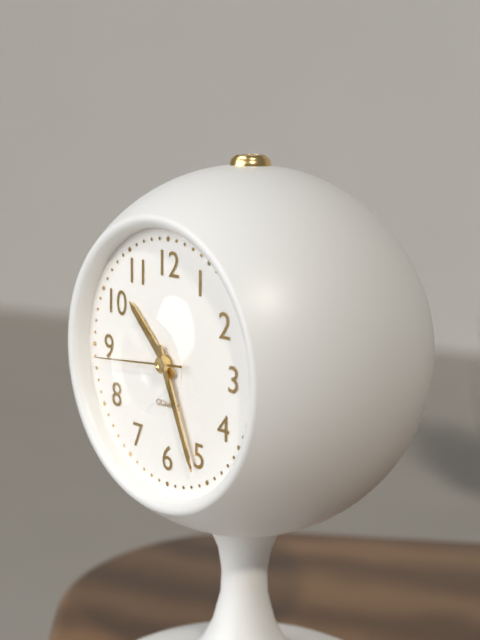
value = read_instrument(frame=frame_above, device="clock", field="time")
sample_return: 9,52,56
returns 10,26,44
